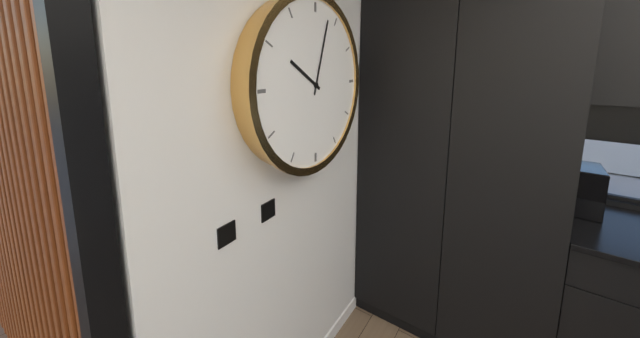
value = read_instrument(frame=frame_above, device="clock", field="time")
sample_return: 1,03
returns 10,03
